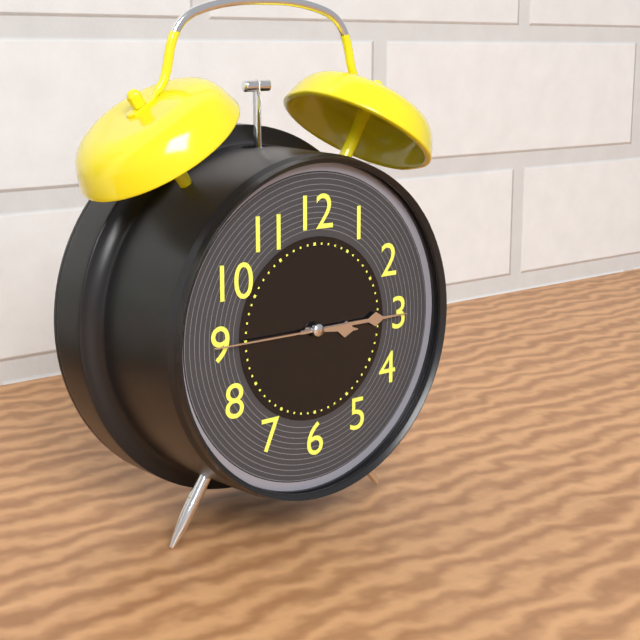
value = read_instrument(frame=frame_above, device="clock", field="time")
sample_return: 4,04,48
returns 3,15,45
